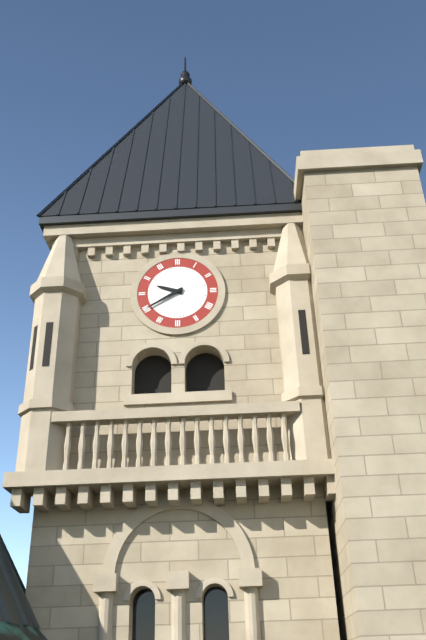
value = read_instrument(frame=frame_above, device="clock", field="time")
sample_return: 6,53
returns 9,40
